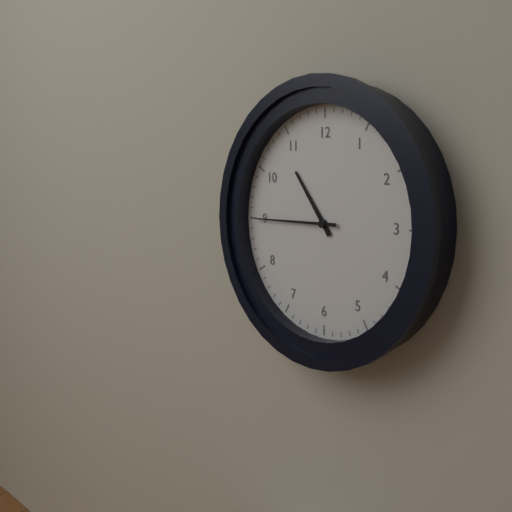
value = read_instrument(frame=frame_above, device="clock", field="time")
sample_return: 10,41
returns 10,45
